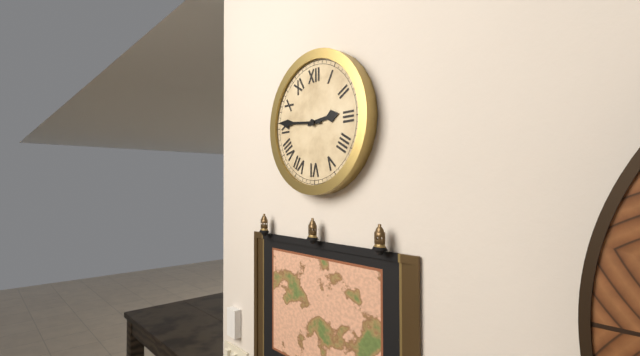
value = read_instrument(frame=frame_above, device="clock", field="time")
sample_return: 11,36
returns 2,46
